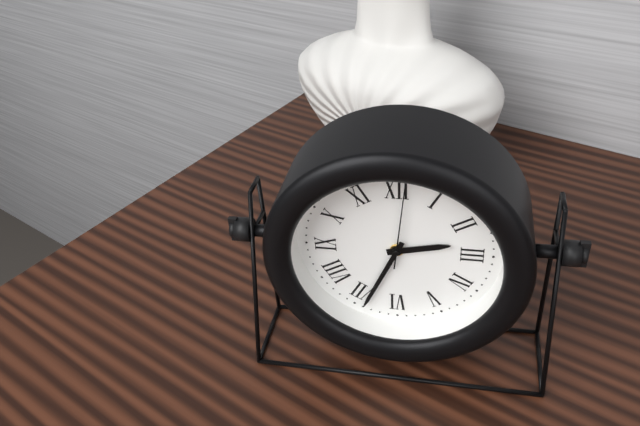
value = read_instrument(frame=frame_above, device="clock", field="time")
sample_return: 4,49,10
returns 2,34,01
